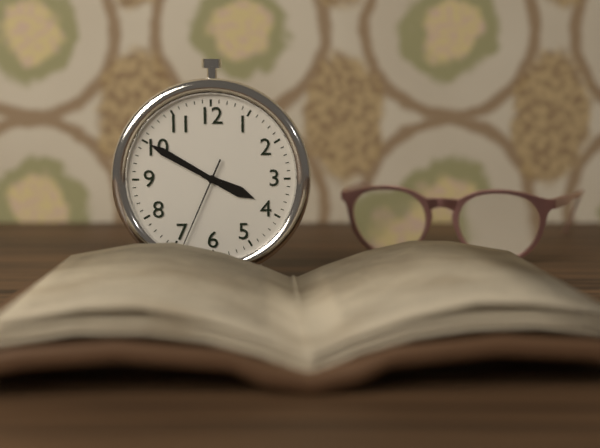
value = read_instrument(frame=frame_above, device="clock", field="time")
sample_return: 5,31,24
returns 3,50,34
